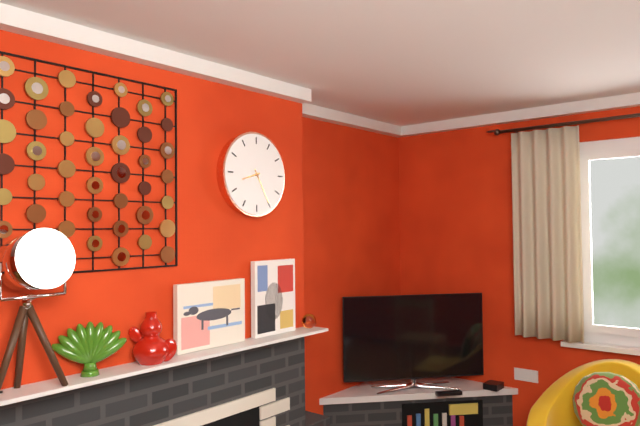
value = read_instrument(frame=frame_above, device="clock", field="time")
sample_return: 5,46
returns 8,25
